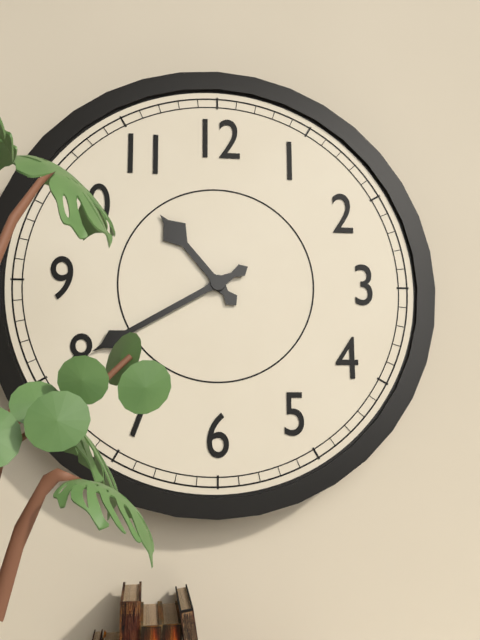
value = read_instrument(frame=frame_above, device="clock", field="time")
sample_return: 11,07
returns 10,40
